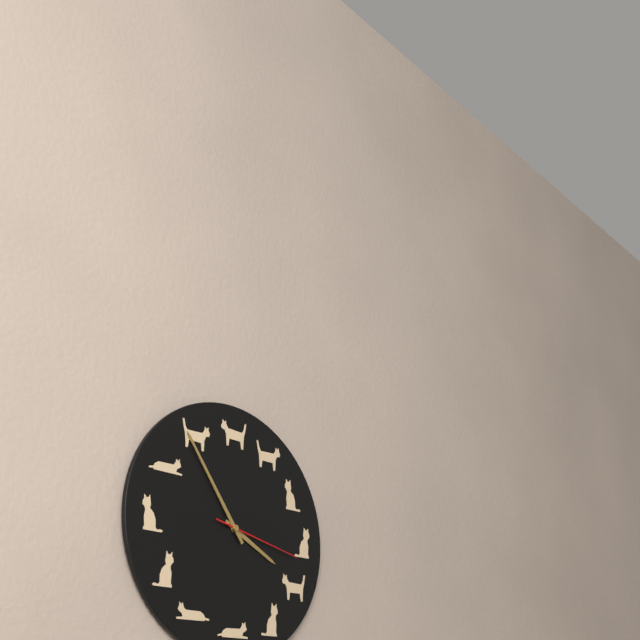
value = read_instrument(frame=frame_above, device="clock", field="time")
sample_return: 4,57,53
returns 3,54,17
